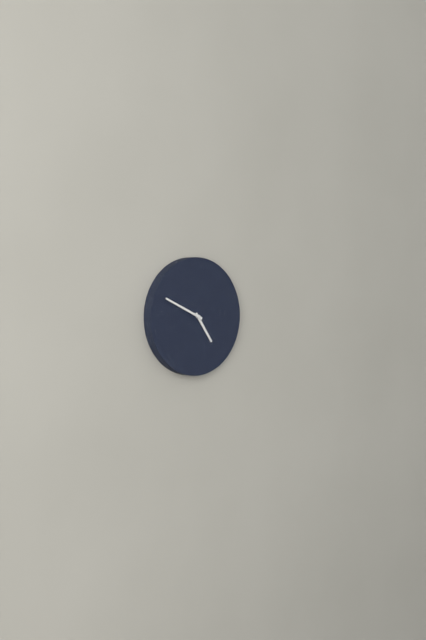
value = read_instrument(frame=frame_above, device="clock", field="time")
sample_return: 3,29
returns 4,49
